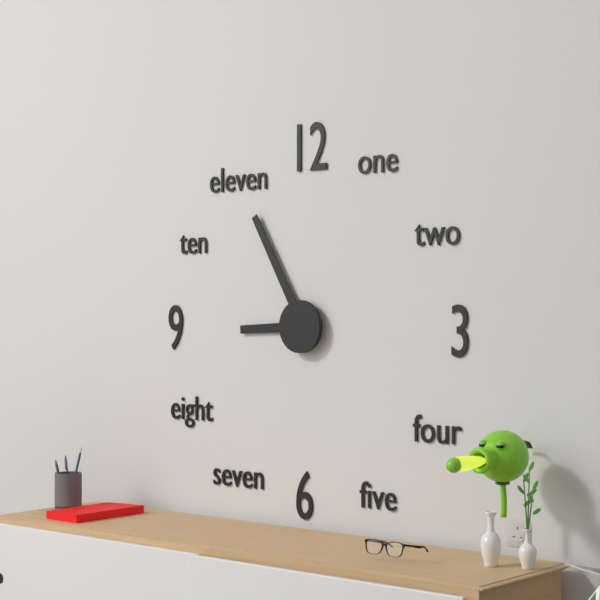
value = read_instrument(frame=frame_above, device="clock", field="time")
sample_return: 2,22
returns 8,55
